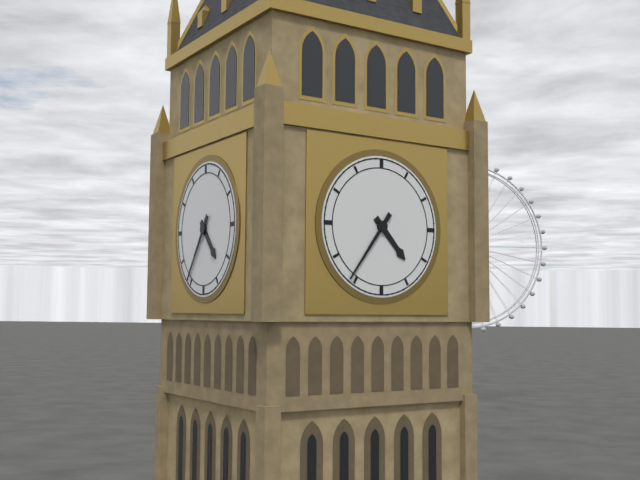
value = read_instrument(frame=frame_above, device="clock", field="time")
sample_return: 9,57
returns 4,36
